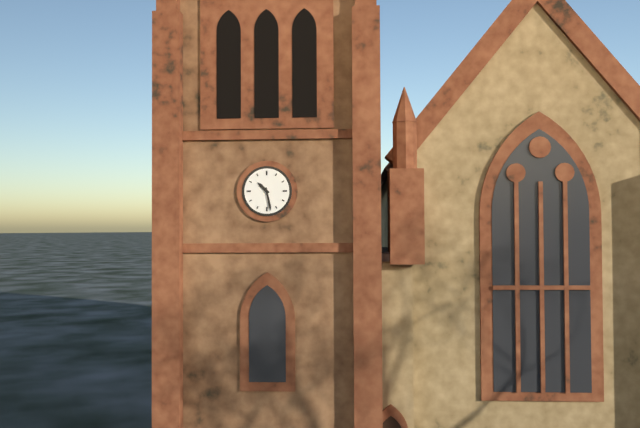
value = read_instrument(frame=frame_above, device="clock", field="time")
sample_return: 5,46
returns 10,28
